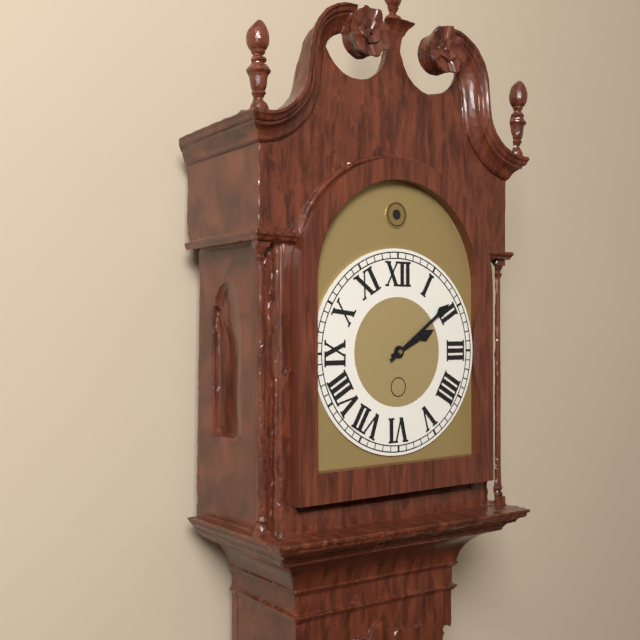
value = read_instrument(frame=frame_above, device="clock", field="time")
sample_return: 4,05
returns 2,09
